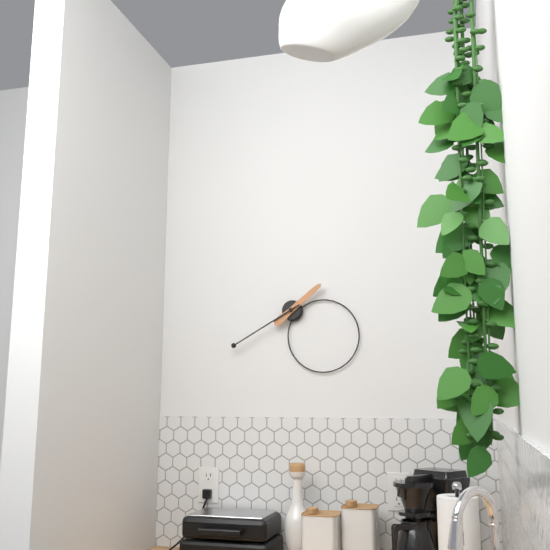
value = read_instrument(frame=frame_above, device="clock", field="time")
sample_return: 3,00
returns 1,40
